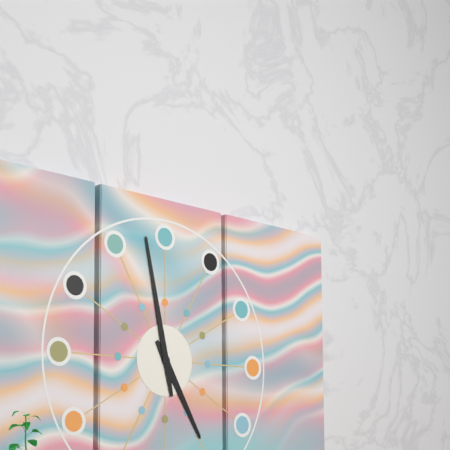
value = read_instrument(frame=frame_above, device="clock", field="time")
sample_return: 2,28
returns 4,58
